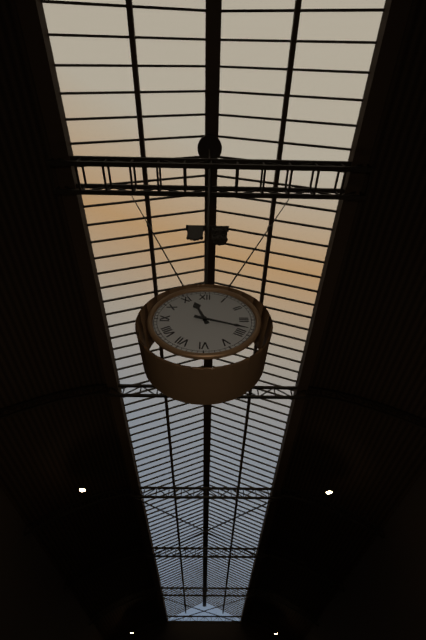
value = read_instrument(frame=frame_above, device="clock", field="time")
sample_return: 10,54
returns 11,18
